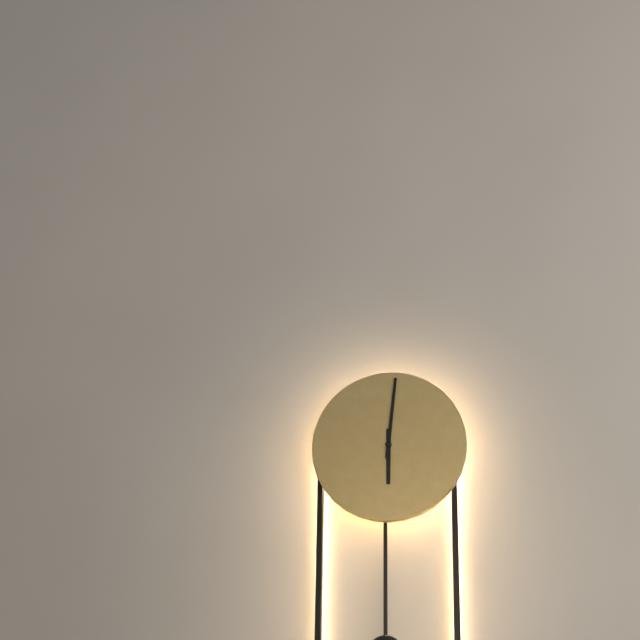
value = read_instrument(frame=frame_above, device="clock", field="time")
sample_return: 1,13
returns 6,01
